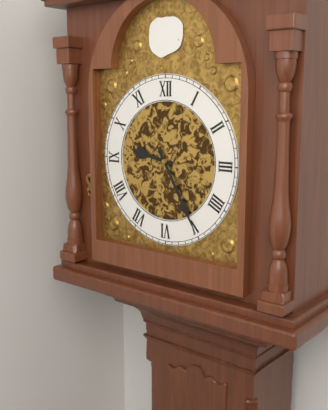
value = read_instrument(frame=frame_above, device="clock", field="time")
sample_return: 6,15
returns 9,25
